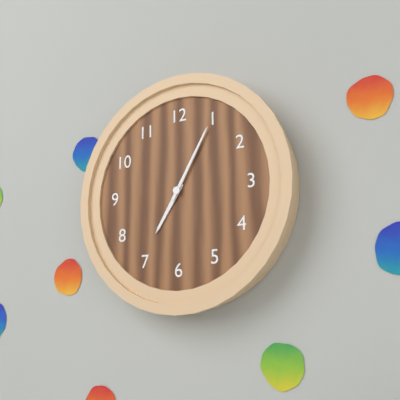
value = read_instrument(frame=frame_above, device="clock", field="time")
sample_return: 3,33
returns 7,05
